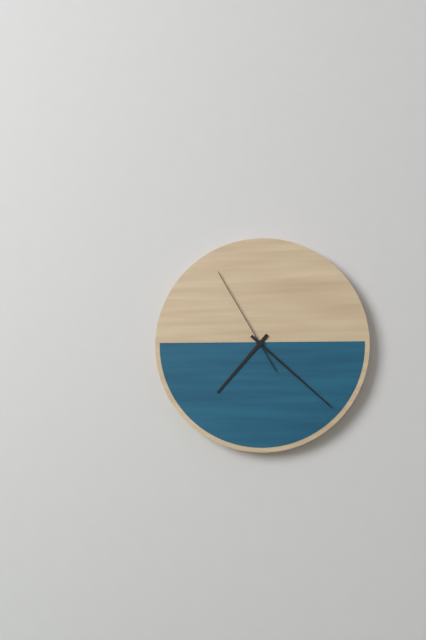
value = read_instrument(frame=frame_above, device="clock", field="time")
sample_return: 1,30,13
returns 7,22,55
